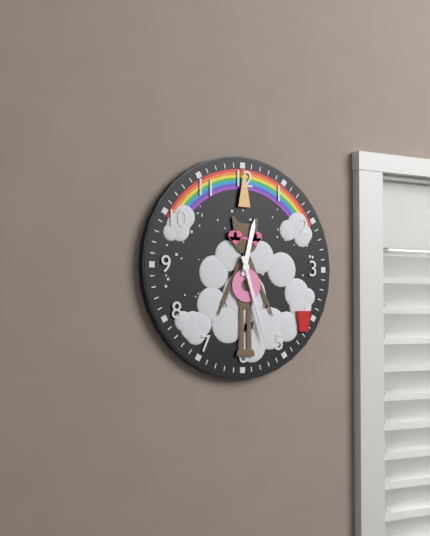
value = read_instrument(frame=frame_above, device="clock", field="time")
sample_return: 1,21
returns 12,27
